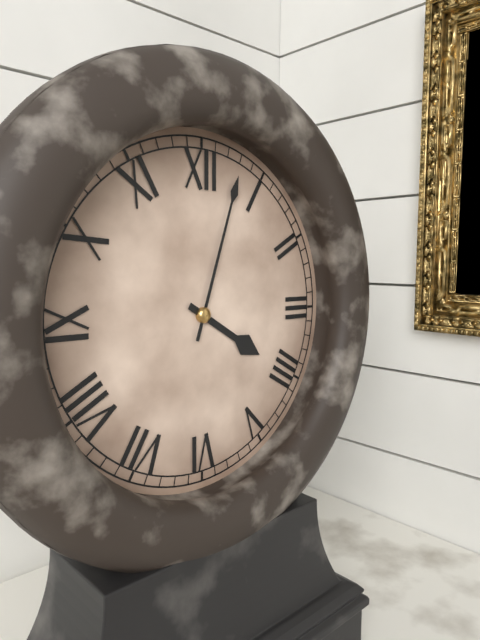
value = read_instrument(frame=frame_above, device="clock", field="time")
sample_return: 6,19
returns 4,03
